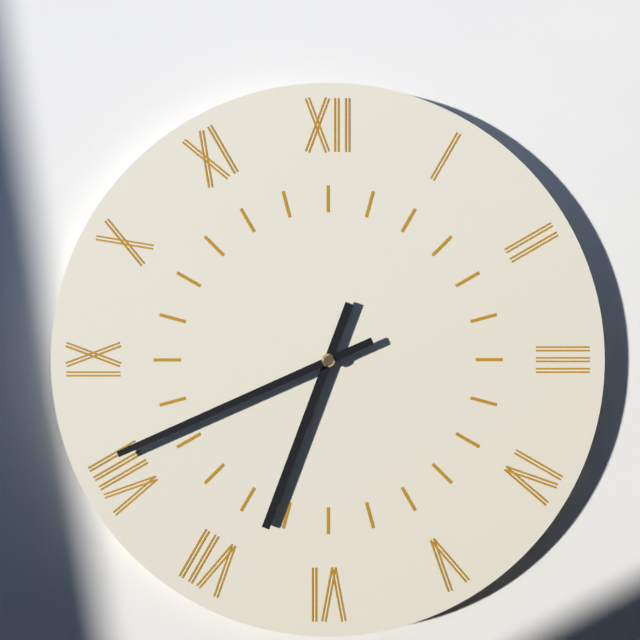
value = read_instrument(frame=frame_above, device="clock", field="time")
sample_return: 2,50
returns 6,41
